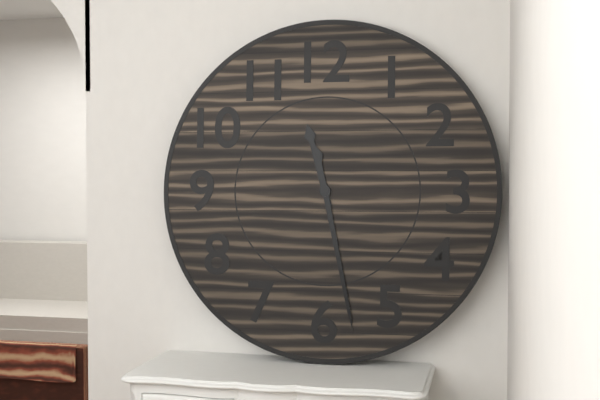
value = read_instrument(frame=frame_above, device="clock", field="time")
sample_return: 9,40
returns 11,28
